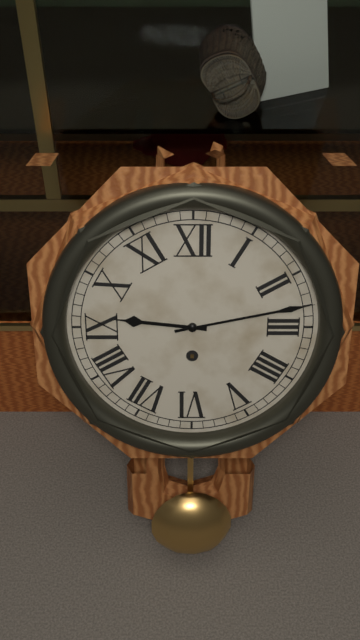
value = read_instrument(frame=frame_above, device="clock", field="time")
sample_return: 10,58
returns 9,13
